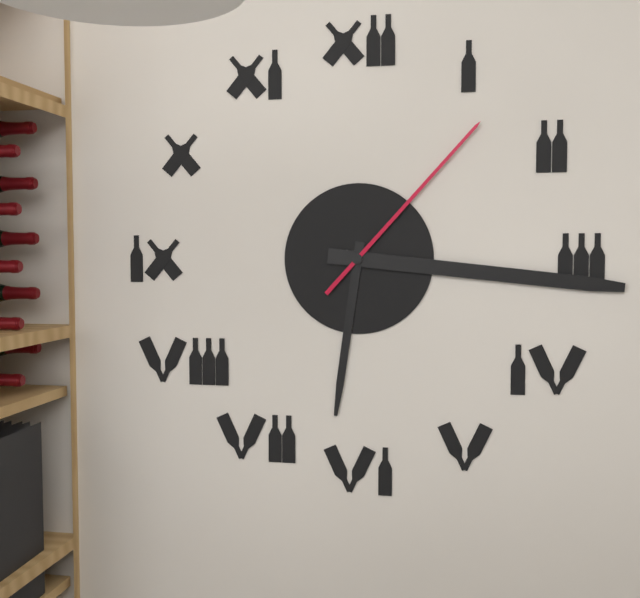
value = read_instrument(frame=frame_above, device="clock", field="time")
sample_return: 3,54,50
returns 6,16,07
